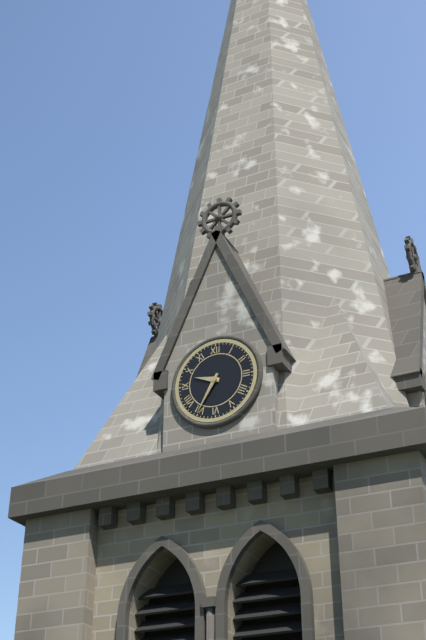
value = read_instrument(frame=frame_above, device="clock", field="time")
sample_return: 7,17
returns 9,35
